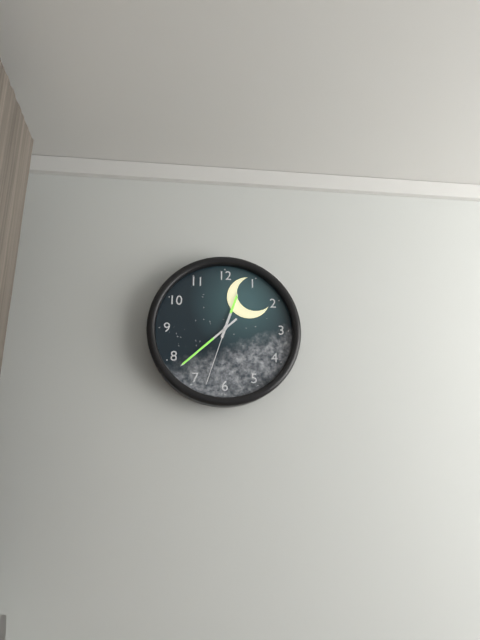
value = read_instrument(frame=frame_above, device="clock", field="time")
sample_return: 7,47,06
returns 12,38,33
